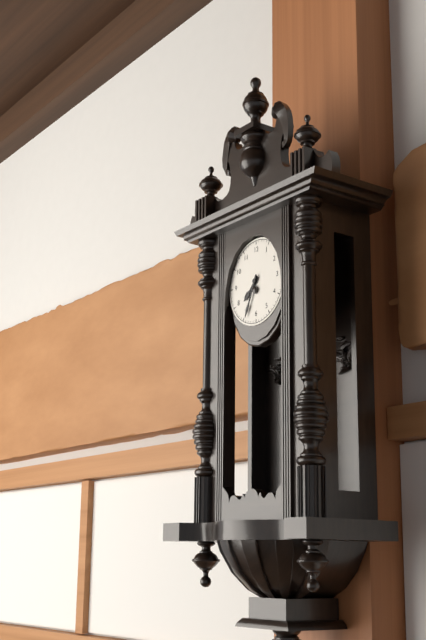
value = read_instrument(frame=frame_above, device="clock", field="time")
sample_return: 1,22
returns 7,34
